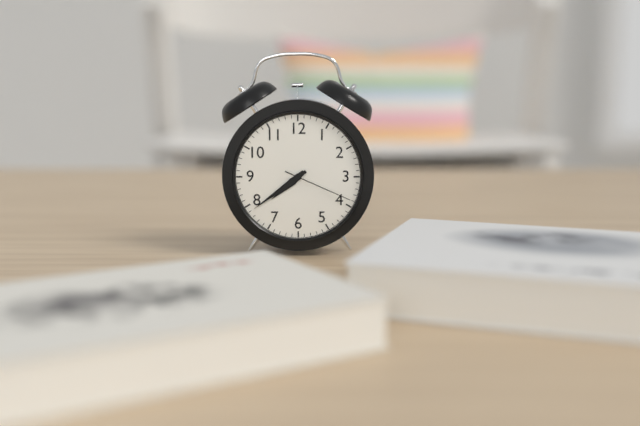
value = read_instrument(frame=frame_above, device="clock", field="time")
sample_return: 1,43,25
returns 7,39,19
